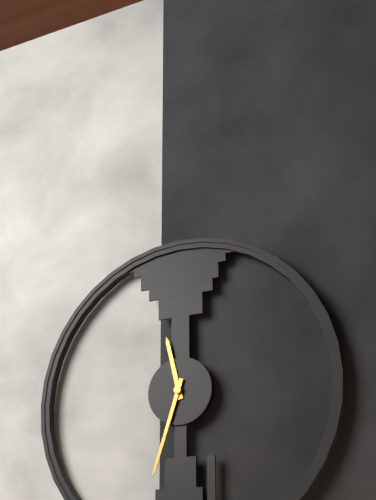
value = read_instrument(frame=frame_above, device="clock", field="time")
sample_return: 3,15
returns 11,33
